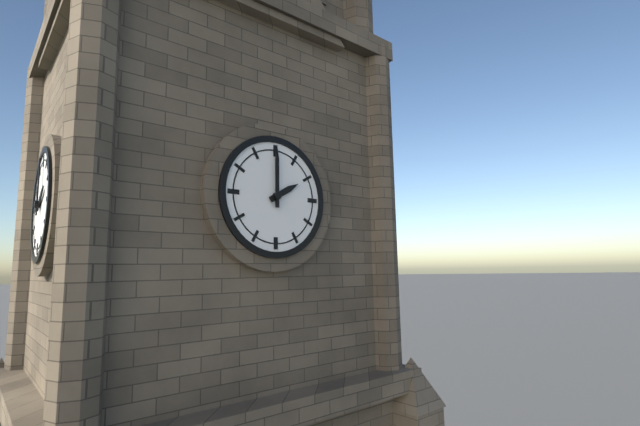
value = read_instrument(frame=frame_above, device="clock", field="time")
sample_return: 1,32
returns 2,00
